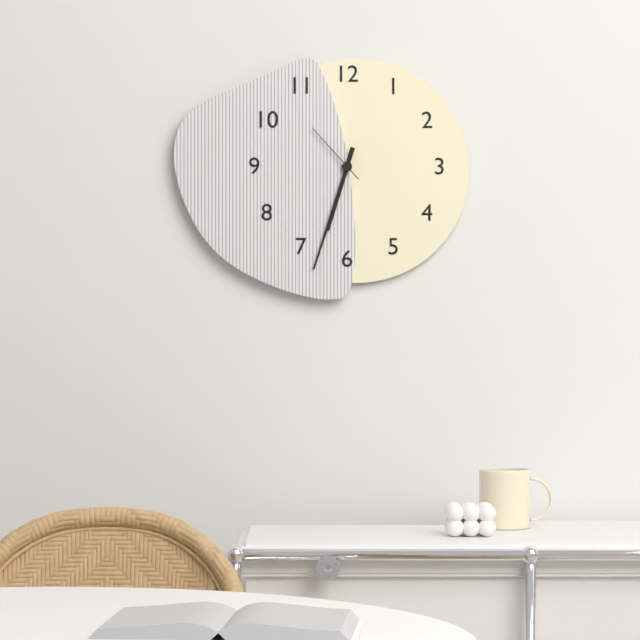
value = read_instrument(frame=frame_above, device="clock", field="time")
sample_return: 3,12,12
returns 6,33,53
